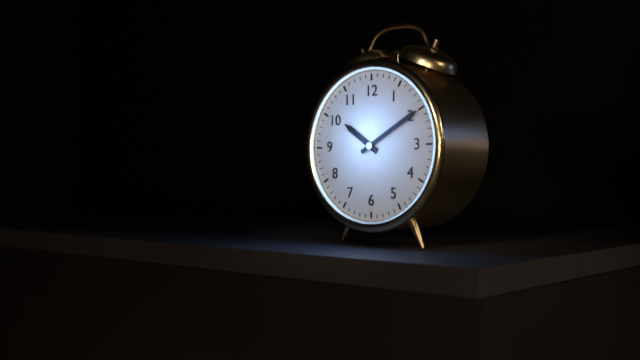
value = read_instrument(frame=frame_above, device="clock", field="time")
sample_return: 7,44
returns 10,10
